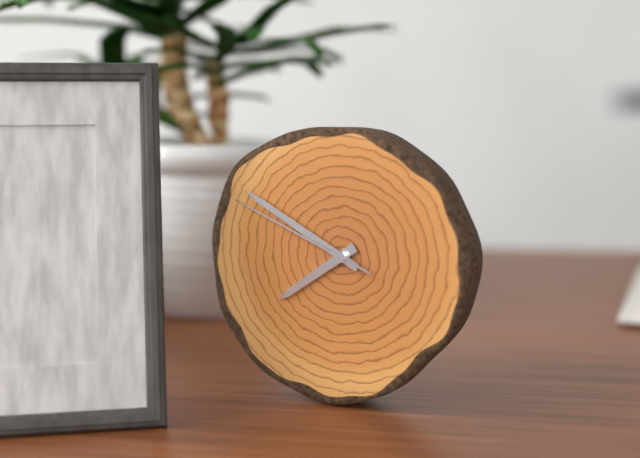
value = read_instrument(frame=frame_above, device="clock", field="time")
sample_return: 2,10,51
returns 7,50,49
